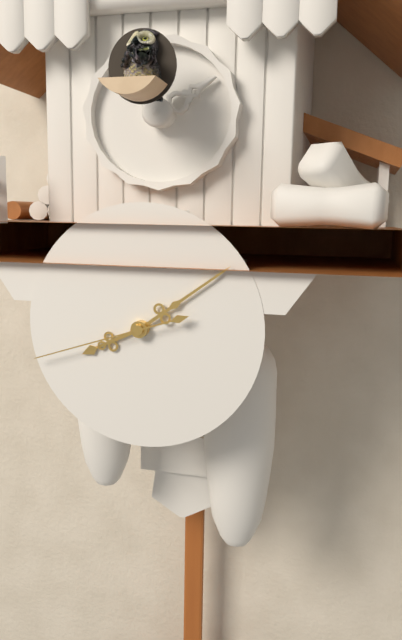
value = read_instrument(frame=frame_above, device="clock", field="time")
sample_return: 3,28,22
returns 8,09,42
